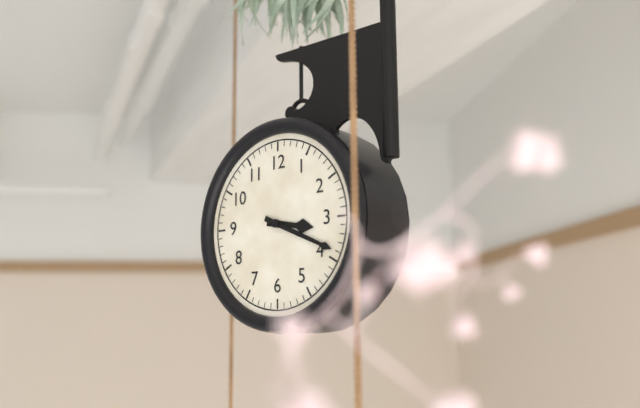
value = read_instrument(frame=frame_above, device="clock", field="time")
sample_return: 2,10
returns 3,19
